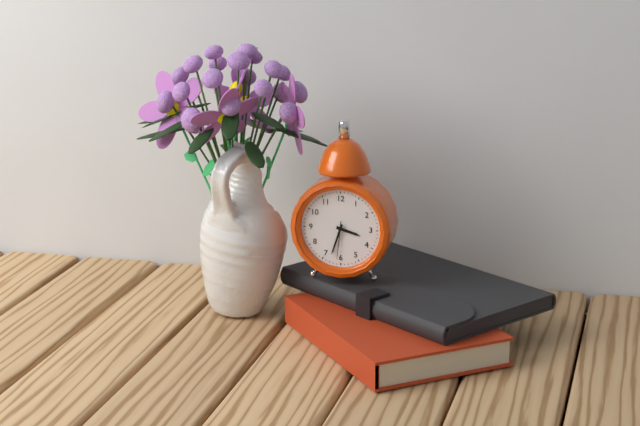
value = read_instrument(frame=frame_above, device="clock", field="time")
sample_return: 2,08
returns 3,33
